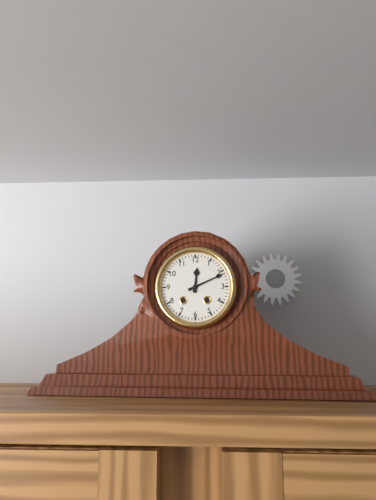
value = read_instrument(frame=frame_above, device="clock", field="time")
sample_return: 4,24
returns 12,11
